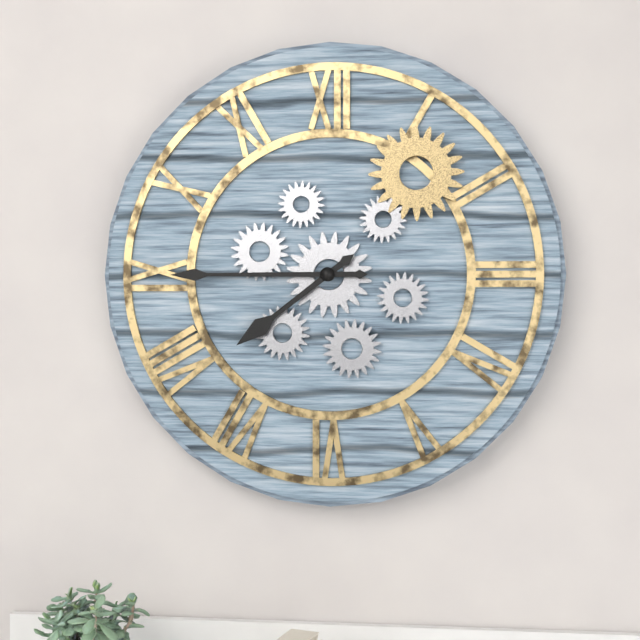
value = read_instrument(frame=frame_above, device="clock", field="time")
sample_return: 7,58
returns 7,45
